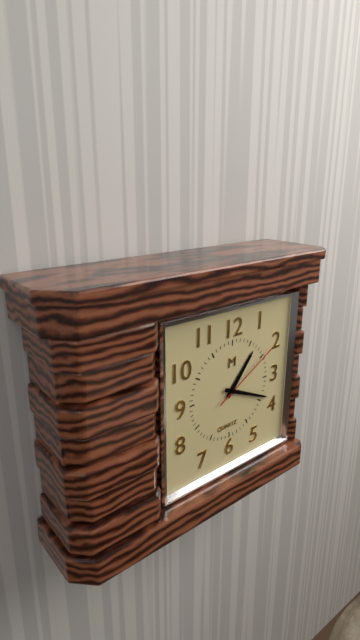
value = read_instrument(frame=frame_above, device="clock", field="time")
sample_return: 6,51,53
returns 1,19,10
